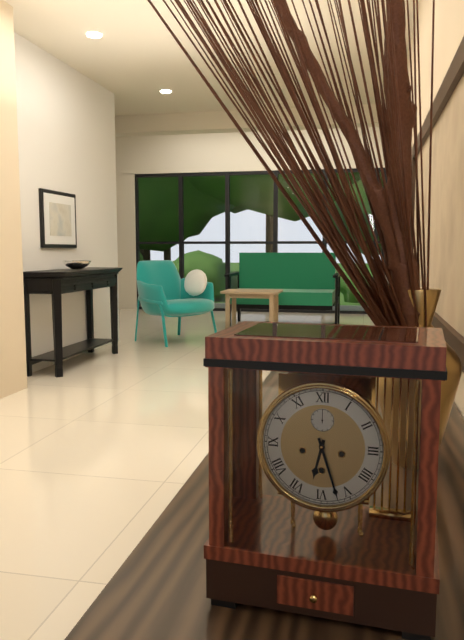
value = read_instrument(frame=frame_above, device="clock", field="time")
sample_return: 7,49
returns 6,27
